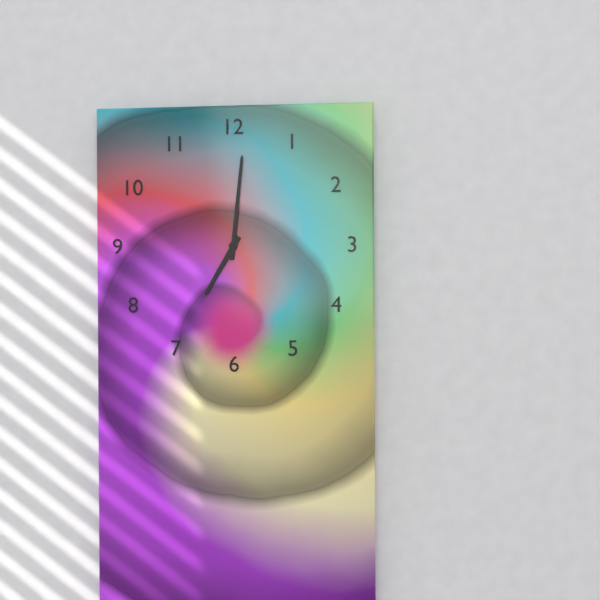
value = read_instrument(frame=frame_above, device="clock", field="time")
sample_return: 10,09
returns 7,01
